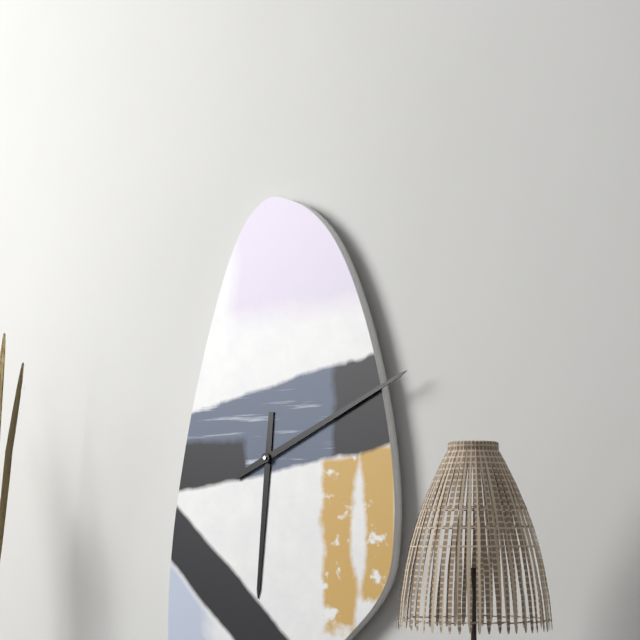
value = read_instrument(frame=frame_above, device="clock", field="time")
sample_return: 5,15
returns 6,11
